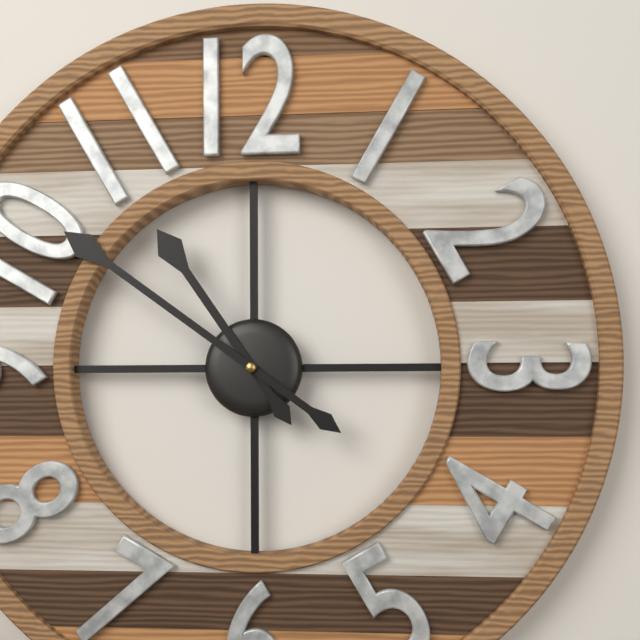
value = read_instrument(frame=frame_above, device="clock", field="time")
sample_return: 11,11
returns 10,51
